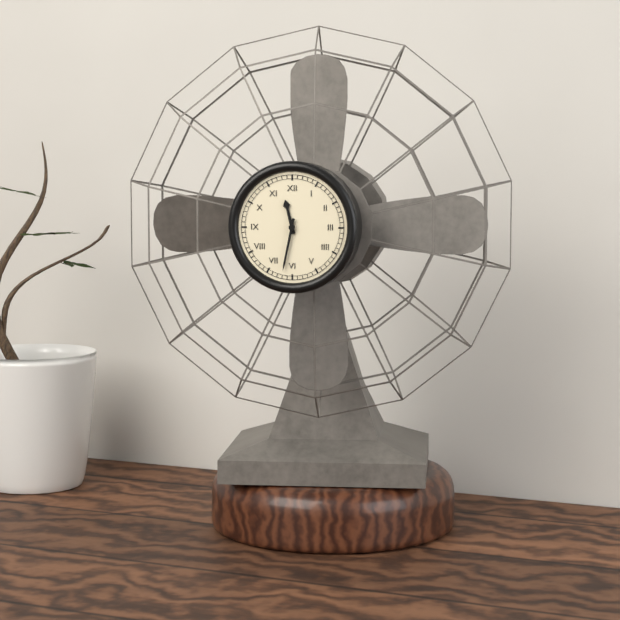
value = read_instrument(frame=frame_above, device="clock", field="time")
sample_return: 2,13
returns 11,32
